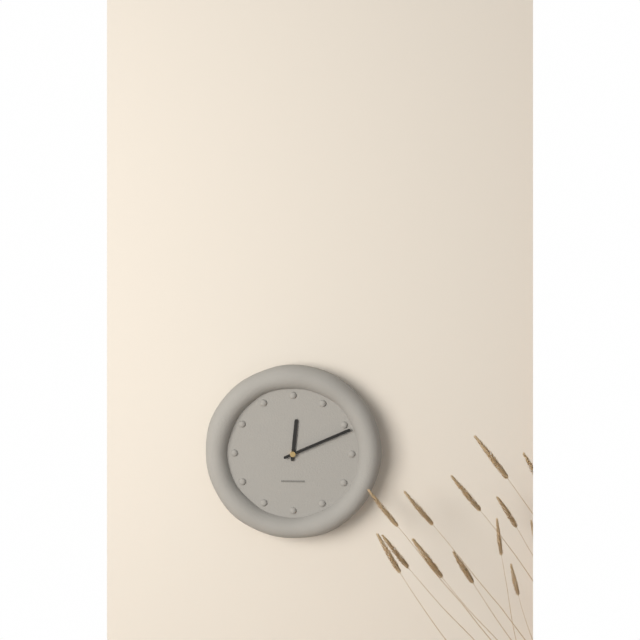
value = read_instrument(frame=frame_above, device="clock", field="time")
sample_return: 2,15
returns 12,11
